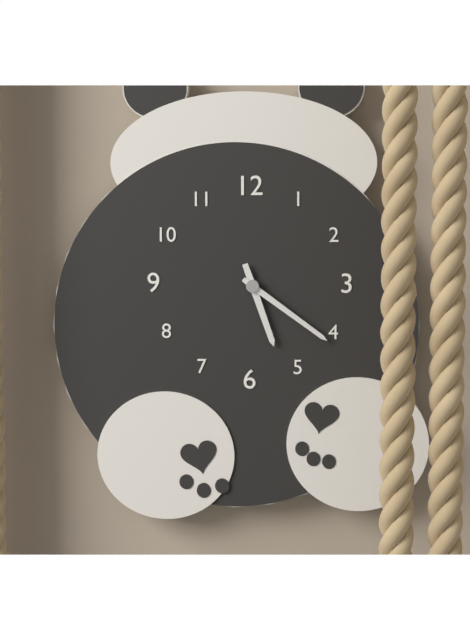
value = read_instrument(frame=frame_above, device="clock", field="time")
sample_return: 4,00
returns 5,21
